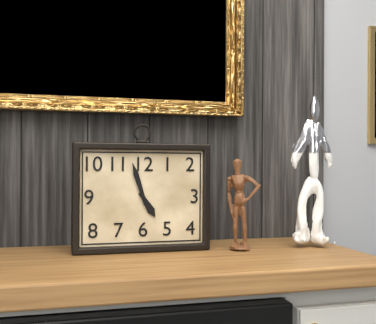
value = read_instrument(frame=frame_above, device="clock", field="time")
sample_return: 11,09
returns 4,57
